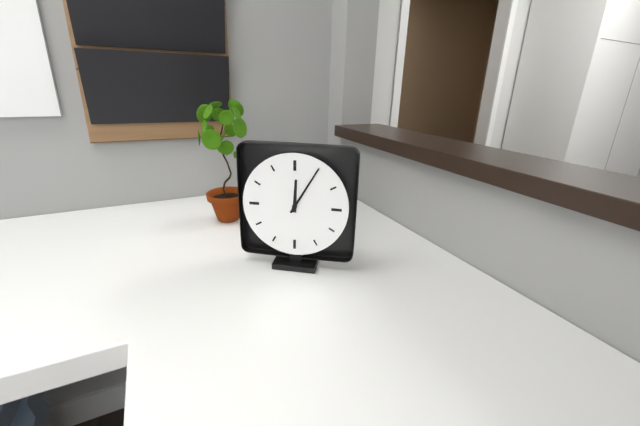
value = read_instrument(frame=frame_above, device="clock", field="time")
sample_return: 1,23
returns 12,05
